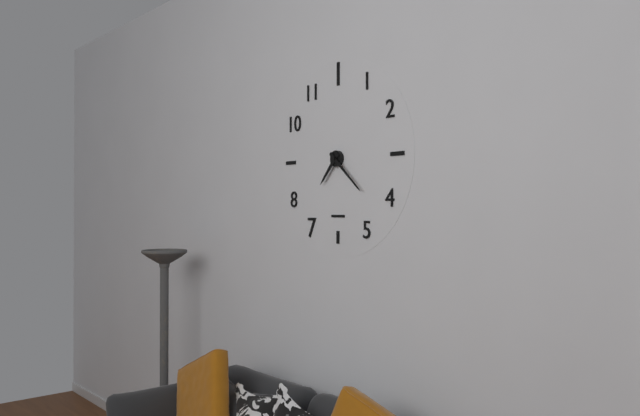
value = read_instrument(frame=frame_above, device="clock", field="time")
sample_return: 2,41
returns 7,22
